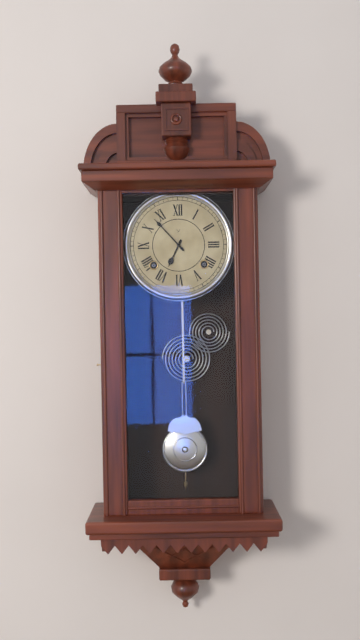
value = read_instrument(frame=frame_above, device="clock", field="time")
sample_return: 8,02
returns 6,53
